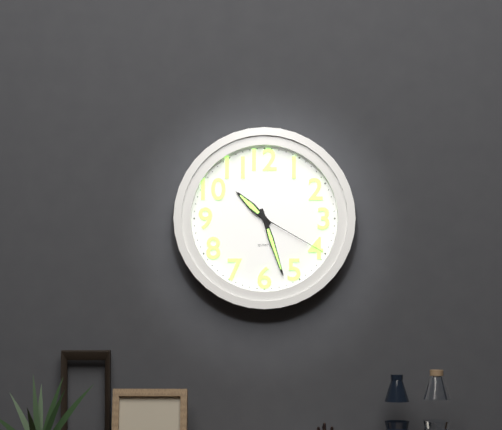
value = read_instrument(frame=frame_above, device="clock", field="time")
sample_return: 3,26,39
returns 10,27,20
